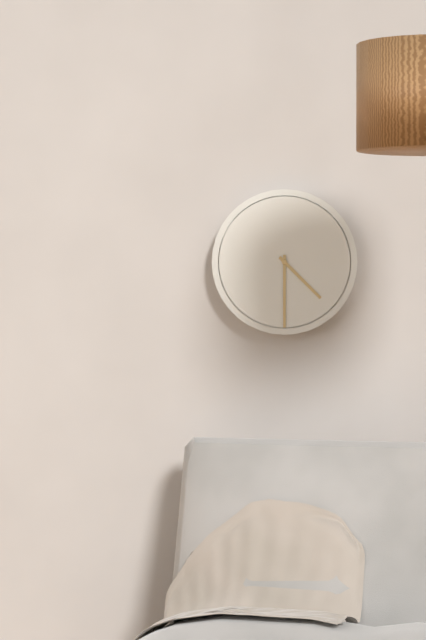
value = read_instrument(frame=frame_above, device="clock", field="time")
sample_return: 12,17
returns 4,30
